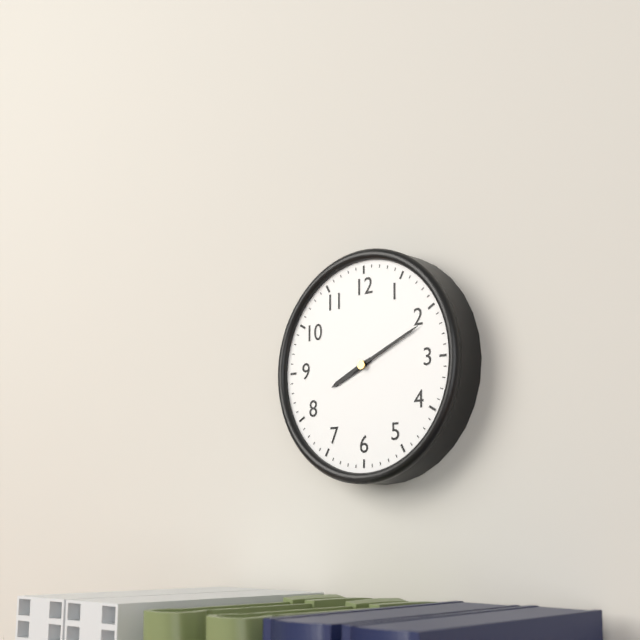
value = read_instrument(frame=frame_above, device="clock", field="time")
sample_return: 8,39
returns 8,11
